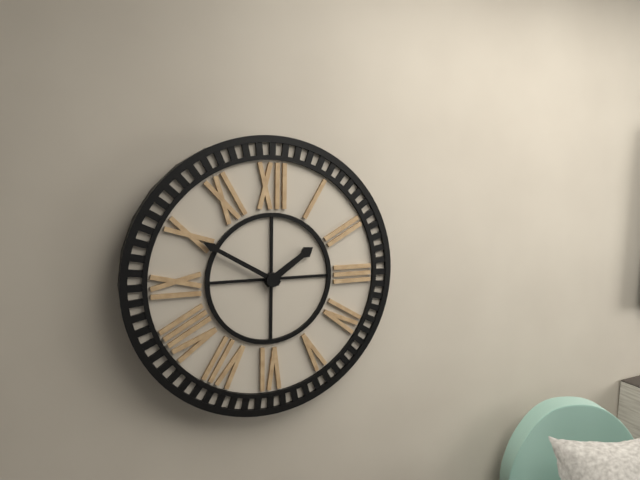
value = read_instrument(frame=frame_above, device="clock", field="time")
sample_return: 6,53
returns 1,50
